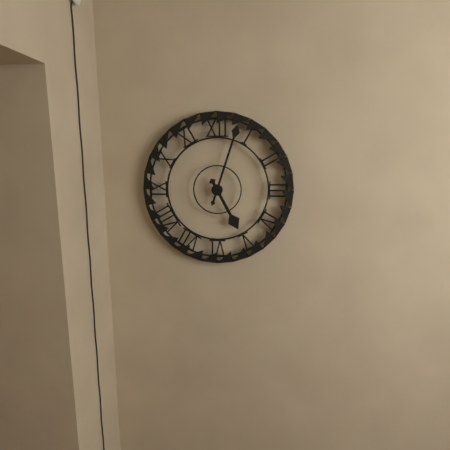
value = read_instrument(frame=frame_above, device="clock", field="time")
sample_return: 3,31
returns 5,03
